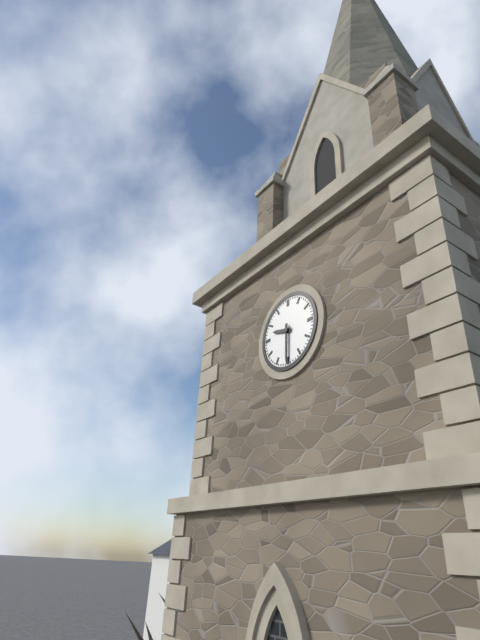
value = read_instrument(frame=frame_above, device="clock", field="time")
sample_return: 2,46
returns 9,30
